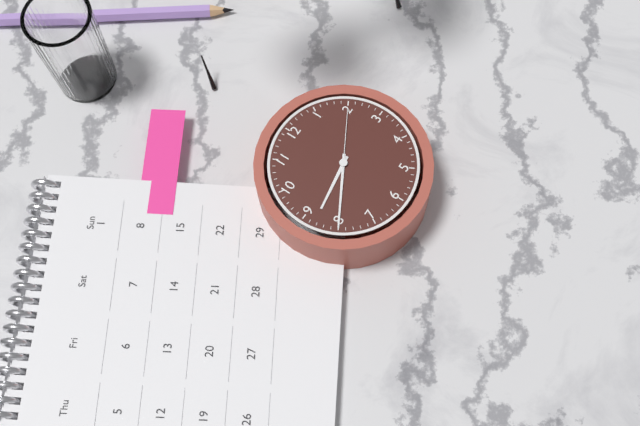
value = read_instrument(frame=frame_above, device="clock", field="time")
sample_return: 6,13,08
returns 8,40,10
